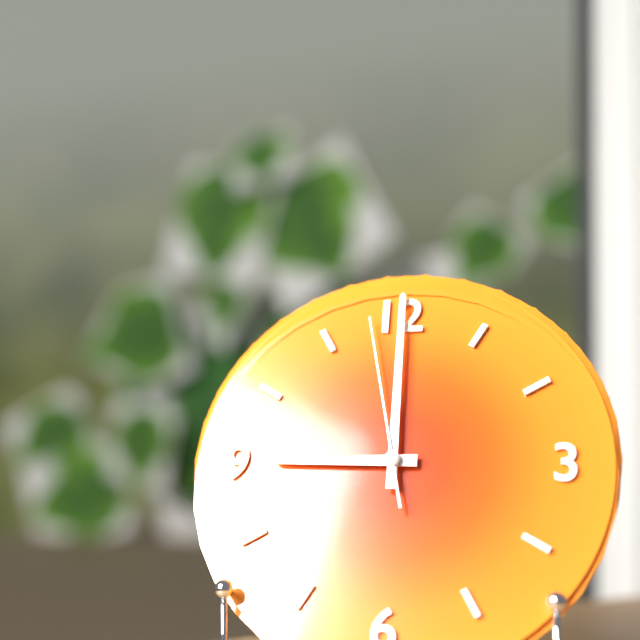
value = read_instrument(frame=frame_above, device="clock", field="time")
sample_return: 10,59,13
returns 9,00,58
